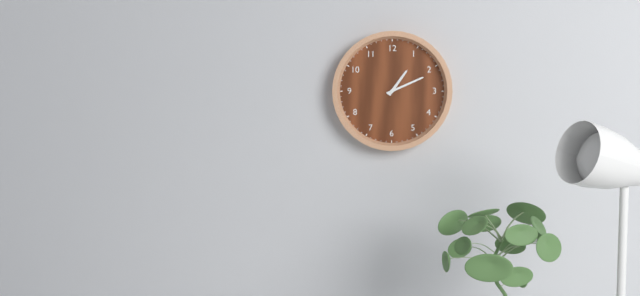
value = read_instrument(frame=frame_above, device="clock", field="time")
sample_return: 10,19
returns 1,11
